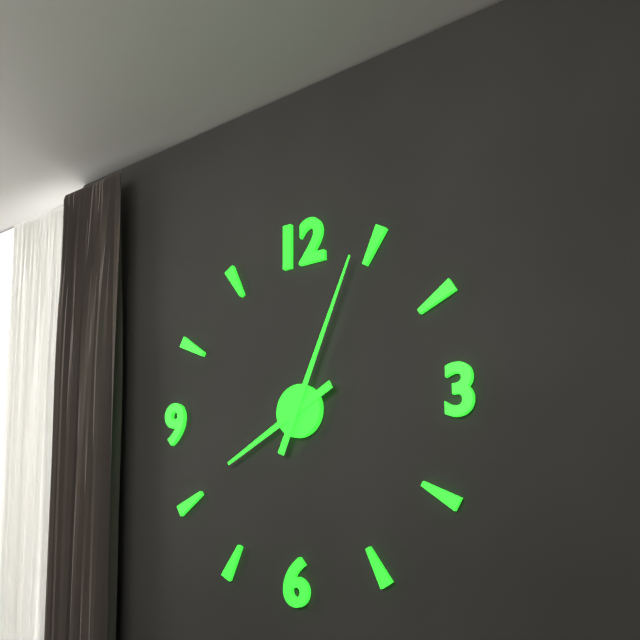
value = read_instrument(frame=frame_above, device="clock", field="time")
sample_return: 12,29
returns 8,04
